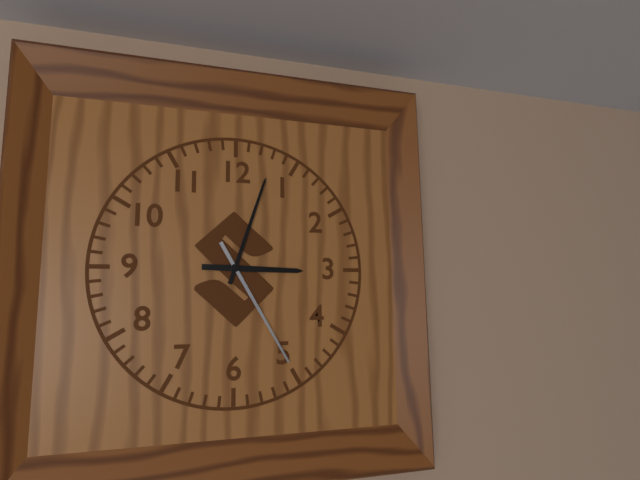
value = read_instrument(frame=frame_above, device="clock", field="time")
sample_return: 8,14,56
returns 3,03,25
